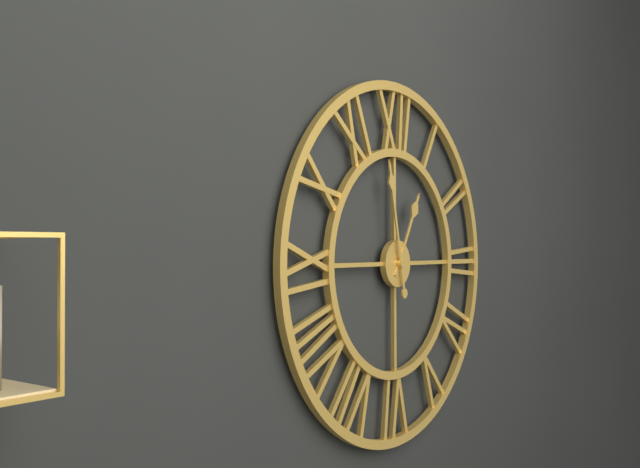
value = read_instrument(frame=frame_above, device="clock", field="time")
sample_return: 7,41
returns 12,58
